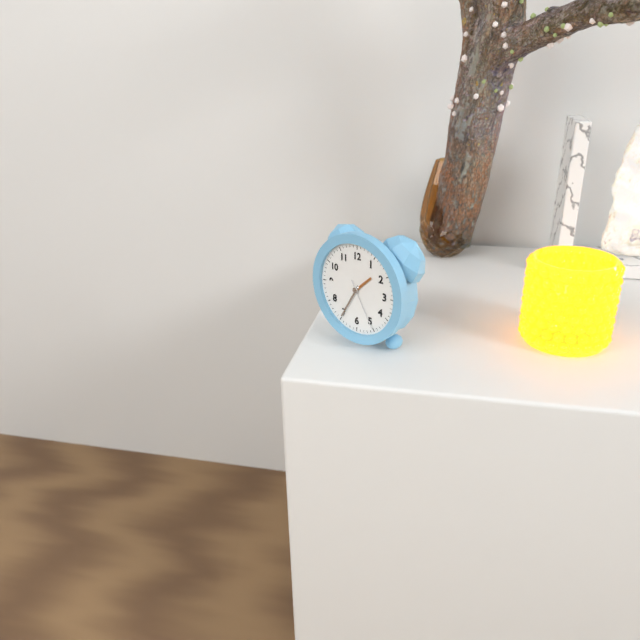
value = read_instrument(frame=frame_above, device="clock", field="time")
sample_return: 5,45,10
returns 1,35,25
